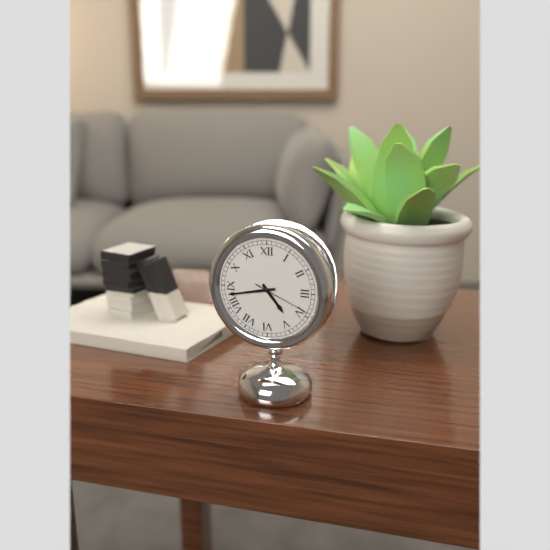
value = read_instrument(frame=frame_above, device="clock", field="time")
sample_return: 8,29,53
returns 4,43,19
